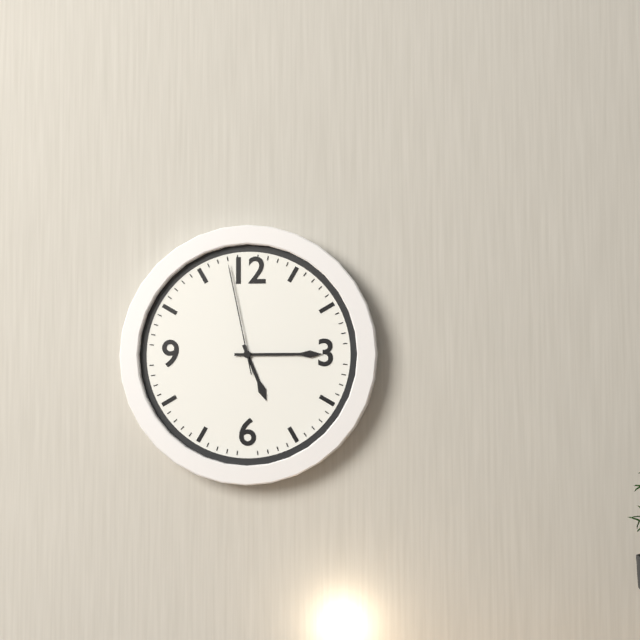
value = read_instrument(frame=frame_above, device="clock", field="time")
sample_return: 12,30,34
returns 5,15,58
